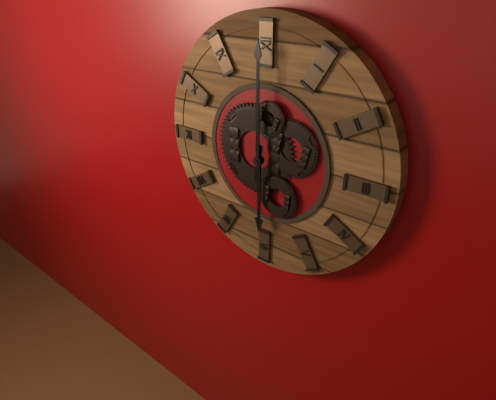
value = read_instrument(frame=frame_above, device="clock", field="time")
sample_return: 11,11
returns 6,00
